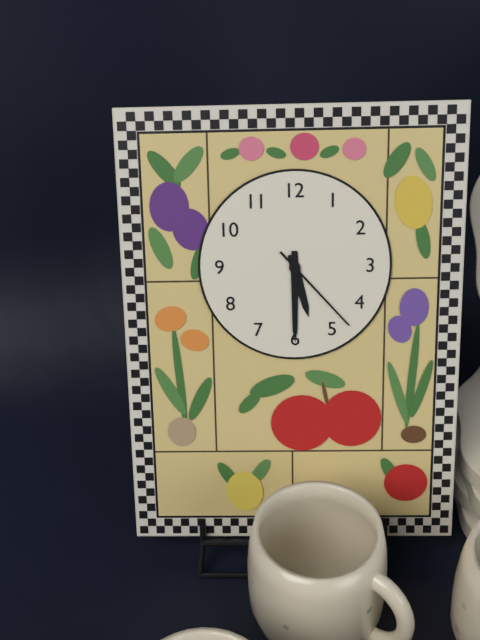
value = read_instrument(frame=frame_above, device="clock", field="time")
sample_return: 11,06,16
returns 5,30,23
